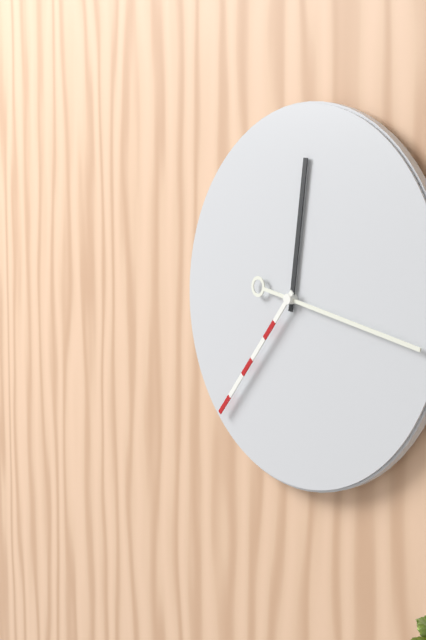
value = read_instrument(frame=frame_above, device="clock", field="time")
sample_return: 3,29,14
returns 12,17,37
